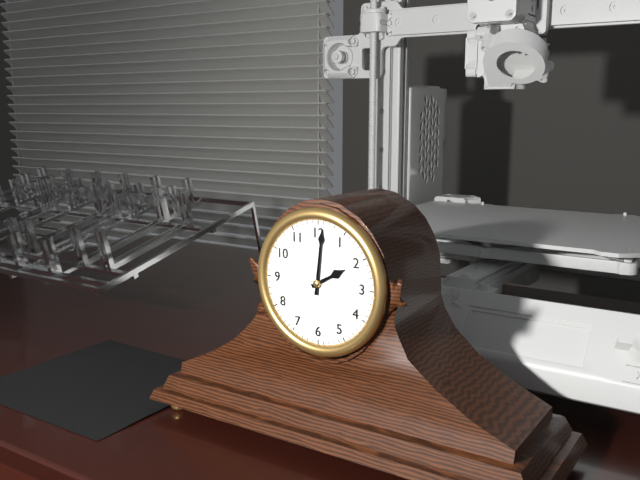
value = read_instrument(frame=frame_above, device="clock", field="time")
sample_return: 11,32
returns 2,01
